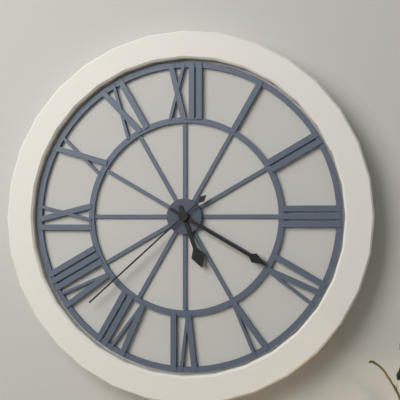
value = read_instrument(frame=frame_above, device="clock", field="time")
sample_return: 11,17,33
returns 5,20,38
